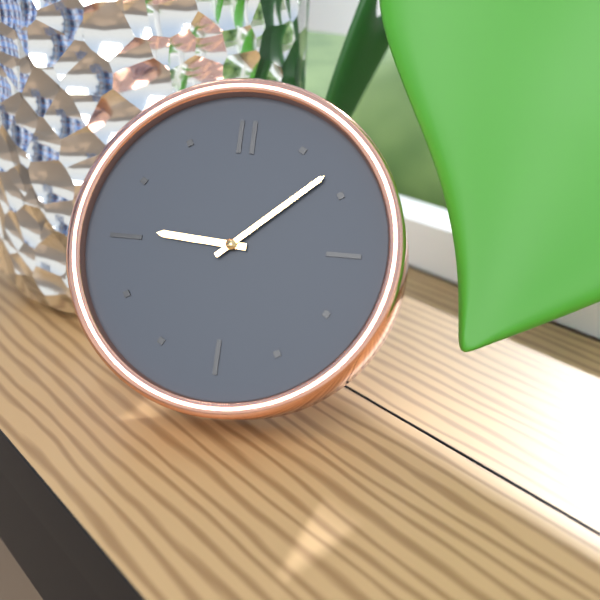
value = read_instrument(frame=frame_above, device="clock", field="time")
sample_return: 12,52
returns 9,08
